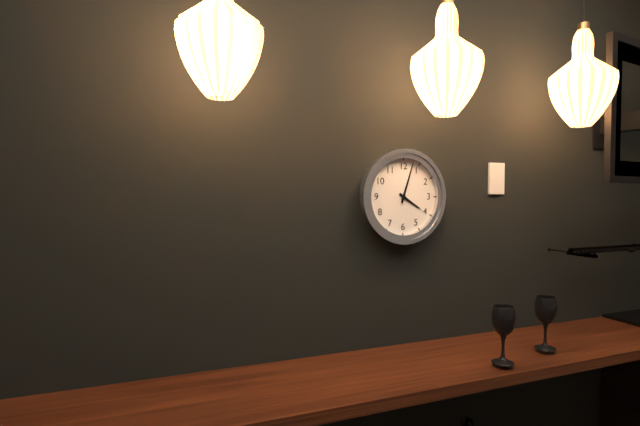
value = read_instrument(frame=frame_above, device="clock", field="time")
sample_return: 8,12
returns 4,03
